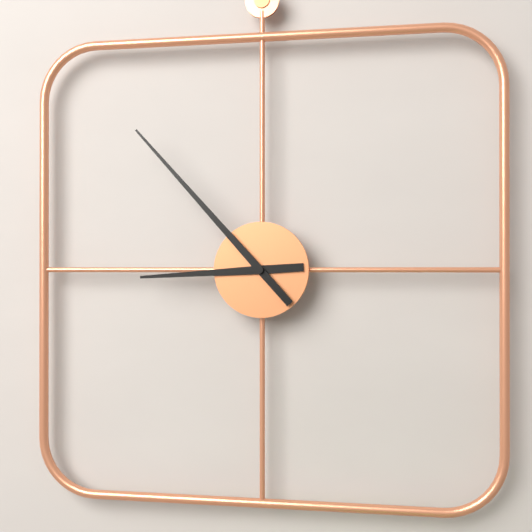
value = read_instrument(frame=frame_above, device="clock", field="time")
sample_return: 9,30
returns 8,53
